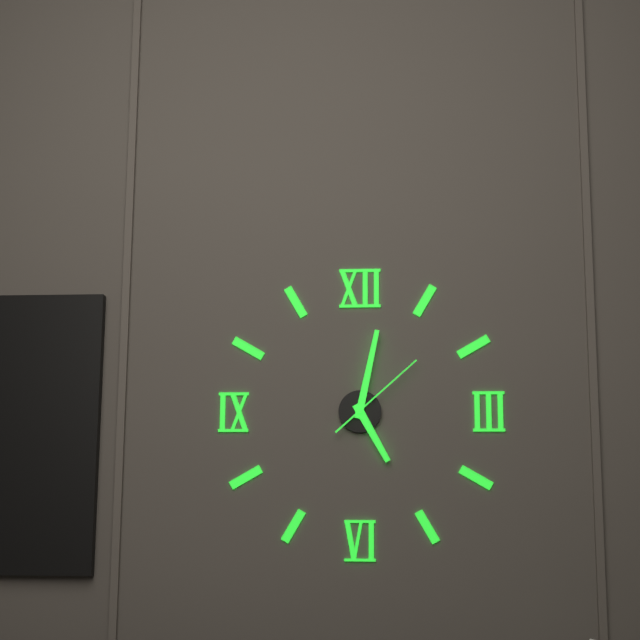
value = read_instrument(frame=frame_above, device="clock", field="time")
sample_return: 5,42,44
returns 5,02,08
